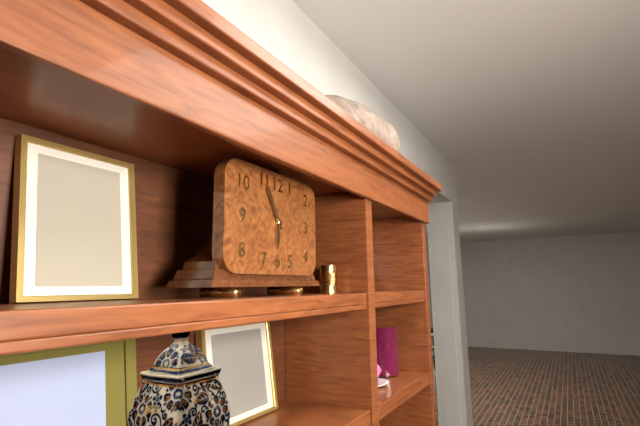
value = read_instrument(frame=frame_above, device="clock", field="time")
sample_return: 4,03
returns 5,55
